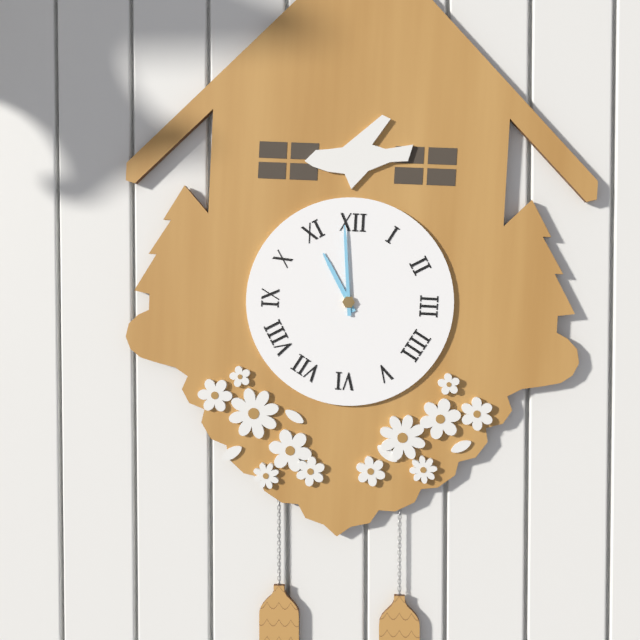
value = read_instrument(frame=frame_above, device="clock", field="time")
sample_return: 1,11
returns 10,59
